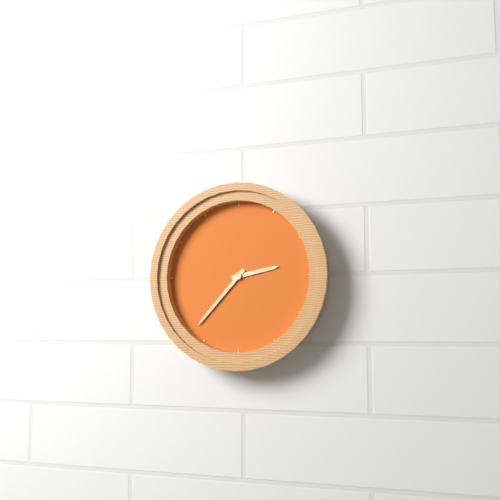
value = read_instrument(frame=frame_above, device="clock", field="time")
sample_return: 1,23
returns 2,37
